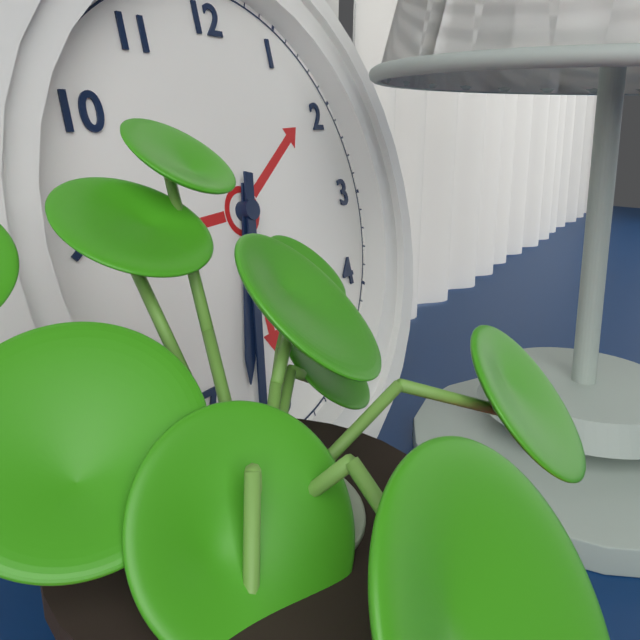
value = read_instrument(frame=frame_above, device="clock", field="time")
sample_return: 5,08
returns 6,32
